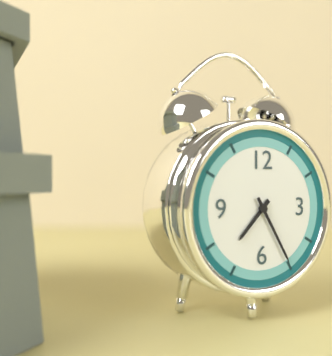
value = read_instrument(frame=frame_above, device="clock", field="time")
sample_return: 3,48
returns 7,25
